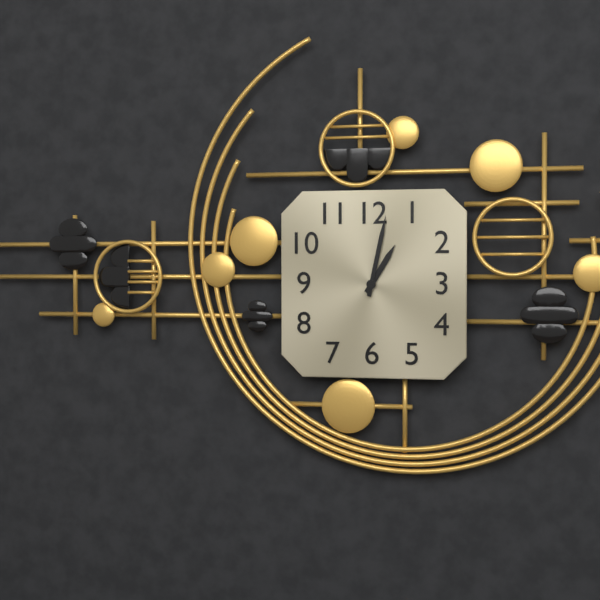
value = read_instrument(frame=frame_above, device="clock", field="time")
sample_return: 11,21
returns 1,02
